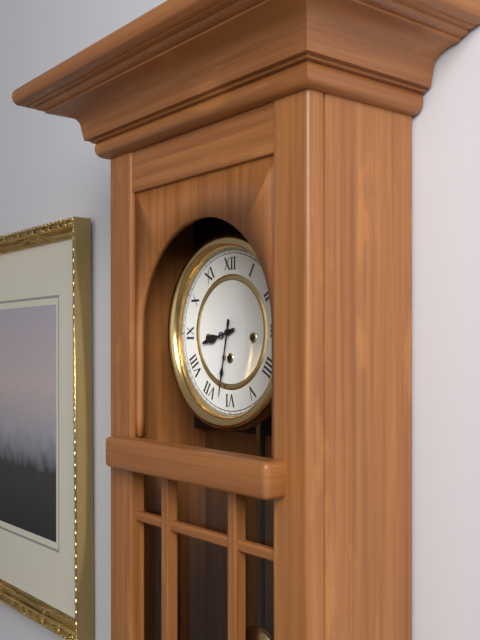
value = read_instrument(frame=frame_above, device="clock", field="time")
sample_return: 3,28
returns 8,32
